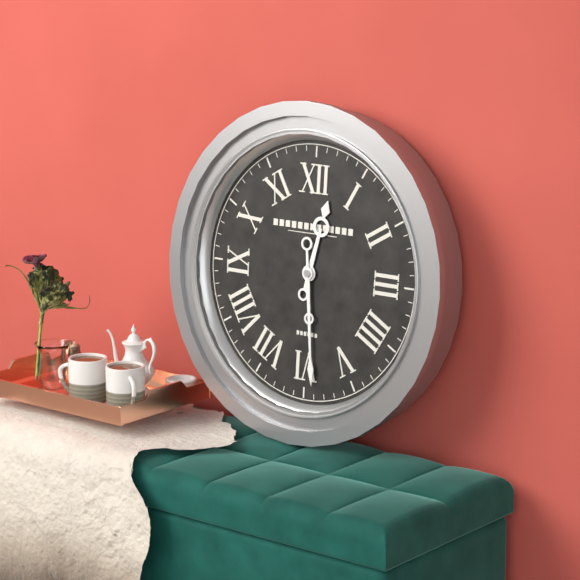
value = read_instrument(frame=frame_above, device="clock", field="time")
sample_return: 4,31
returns 12,29
